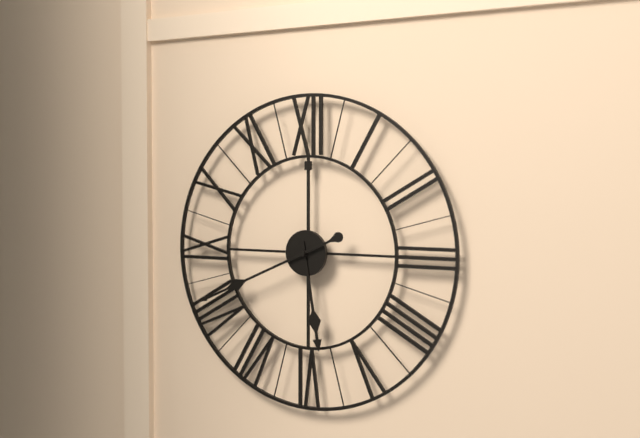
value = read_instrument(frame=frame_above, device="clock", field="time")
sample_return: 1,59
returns 5,41
